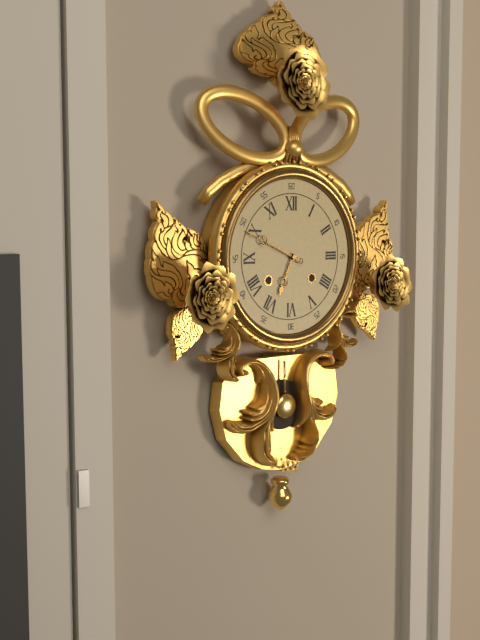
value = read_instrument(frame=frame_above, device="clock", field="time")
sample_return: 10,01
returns 6,49
